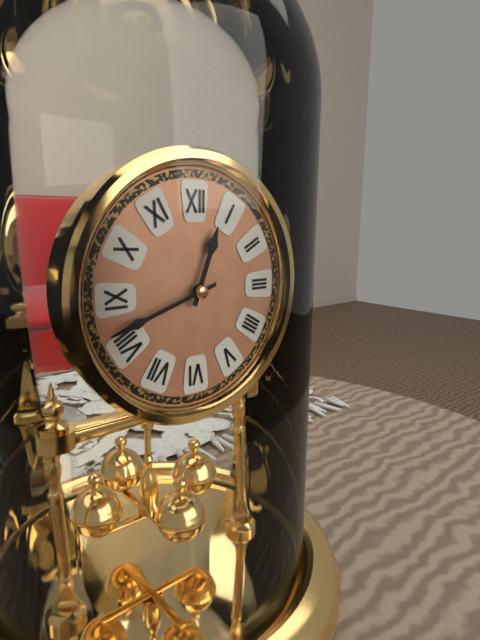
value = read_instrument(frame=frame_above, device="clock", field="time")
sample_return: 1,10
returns 12,42
